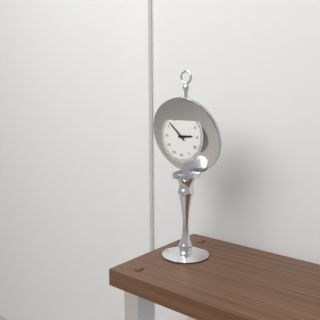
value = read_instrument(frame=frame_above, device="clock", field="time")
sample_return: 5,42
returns 2,52
